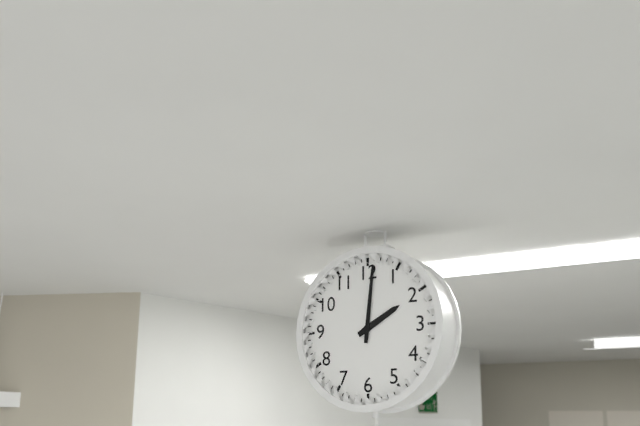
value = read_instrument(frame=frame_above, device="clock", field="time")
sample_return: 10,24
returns 2,01
